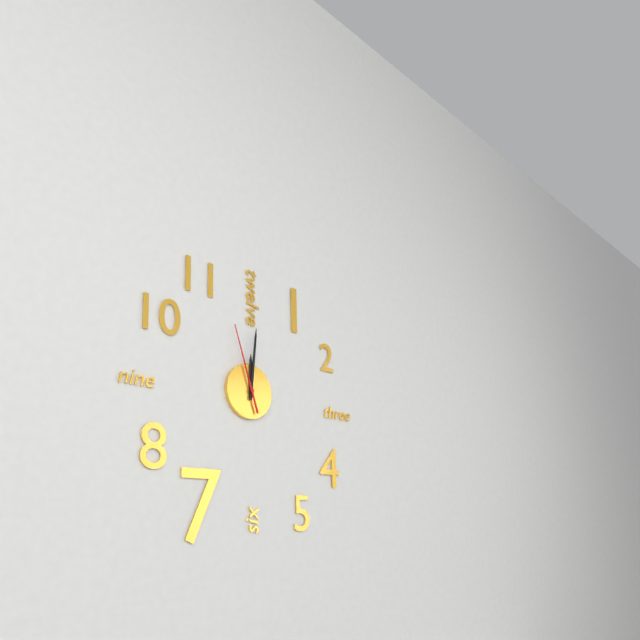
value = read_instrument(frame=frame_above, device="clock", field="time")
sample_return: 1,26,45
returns 12,01,57
